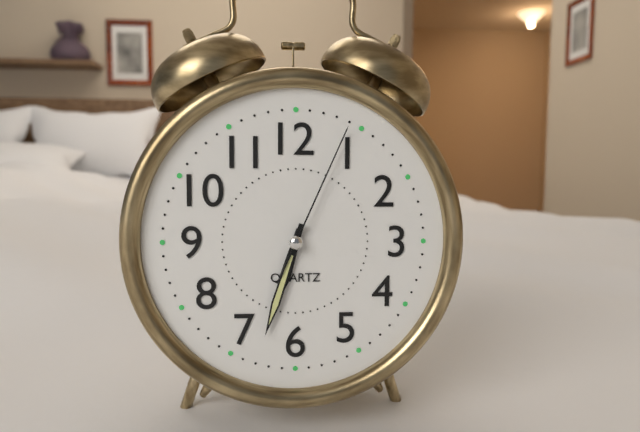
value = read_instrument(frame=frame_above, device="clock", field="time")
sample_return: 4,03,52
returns 6,33,04
